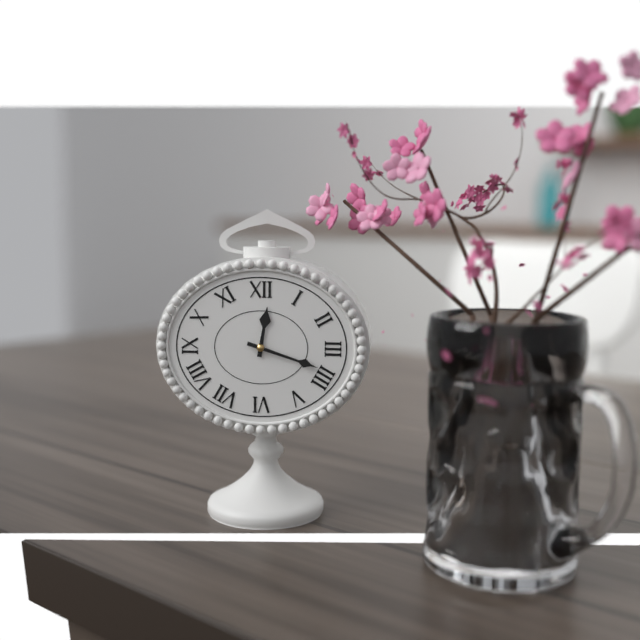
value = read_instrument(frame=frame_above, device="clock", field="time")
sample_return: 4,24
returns 12,18
